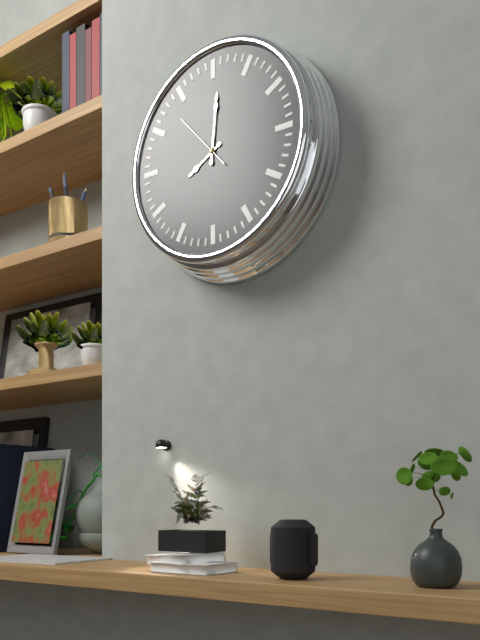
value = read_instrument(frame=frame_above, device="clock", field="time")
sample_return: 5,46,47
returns 8,01,53
